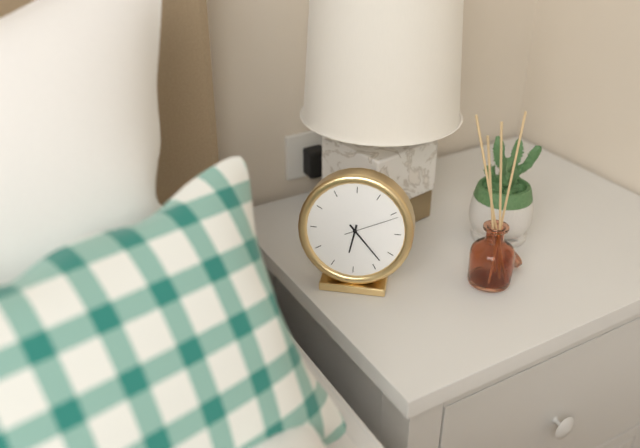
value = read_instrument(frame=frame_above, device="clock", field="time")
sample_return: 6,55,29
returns 6,23,11
